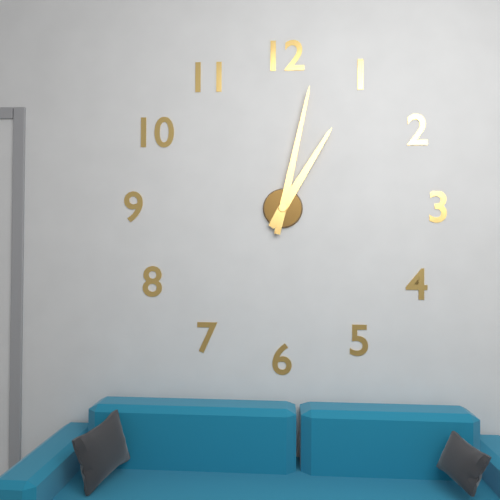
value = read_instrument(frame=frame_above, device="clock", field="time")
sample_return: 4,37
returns 1,02
